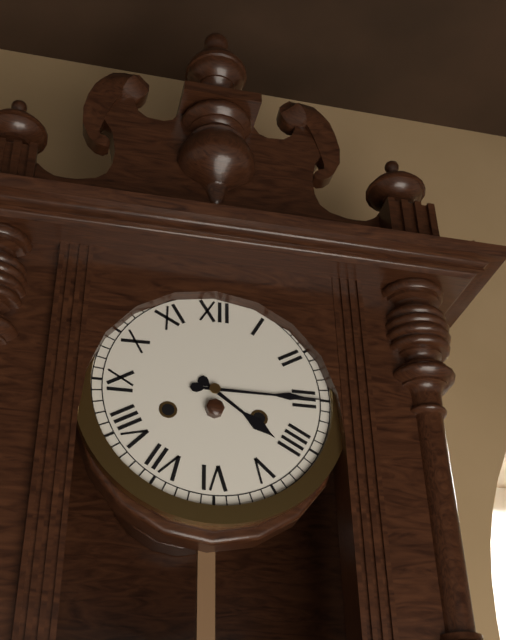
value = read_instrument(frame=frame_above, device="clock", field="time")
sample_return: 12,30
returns 4,15
